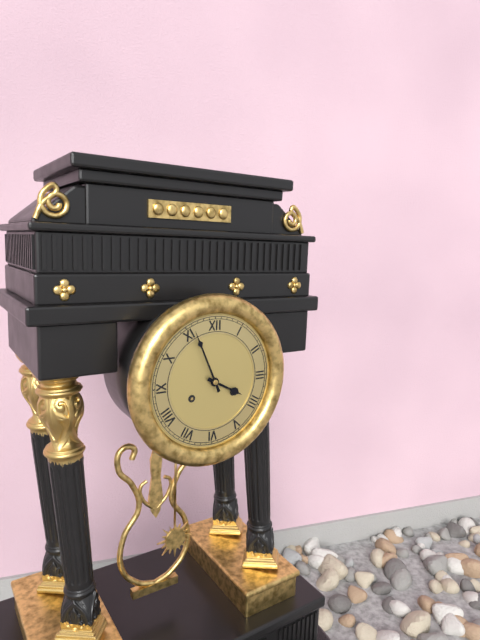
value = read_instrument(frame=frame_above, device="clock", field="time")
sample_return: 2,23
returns 3,56
